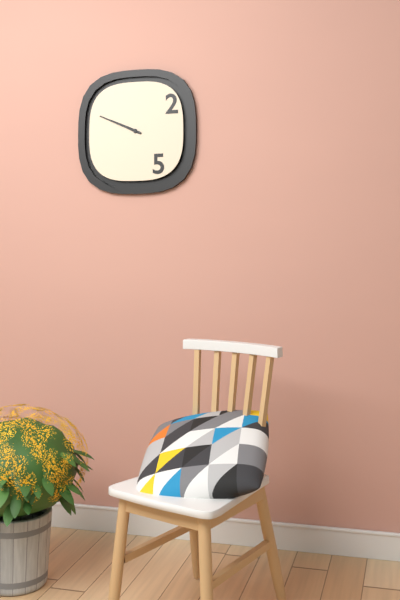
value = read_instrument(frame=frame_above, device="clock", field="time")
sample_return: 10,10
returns 9,49
